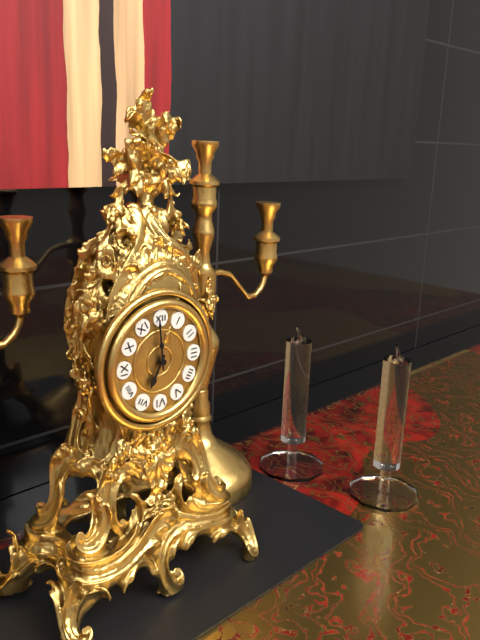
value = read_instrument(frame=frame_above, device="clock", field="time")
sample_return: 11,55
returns 6,59
